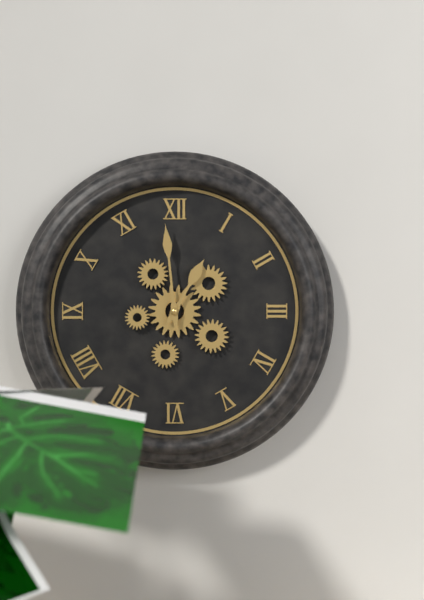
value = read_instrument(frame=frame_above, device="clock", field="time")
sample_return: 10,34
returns 12,59
